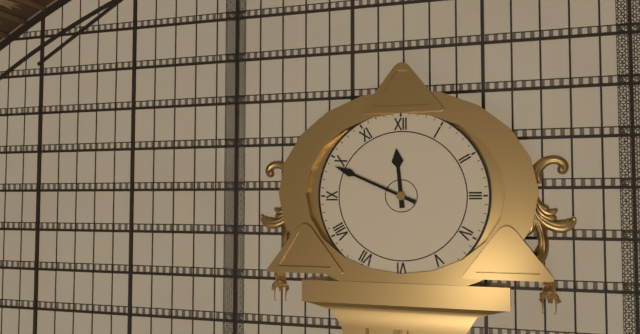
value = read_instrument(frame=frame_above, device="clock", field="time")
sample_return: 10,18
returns 11,49
